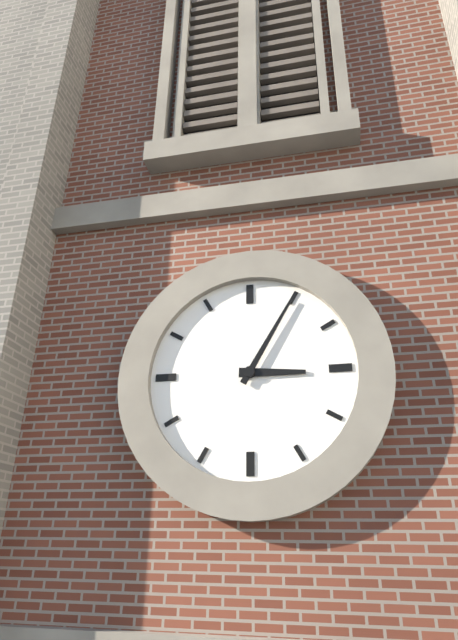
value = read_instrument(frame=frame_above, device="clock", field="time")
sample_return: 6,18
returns 3,05
